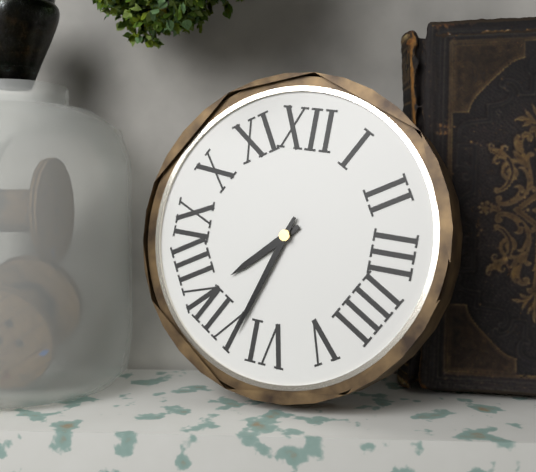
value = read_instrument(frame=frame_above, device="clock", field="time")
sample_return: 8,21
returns 7,33
